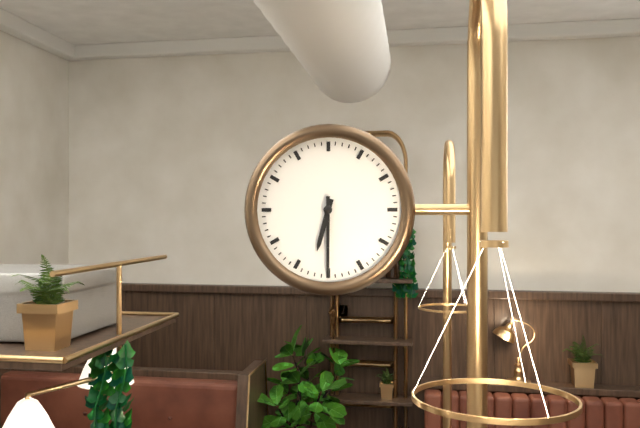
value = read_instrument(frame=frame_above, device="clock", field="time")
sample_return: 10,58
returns 6,30
